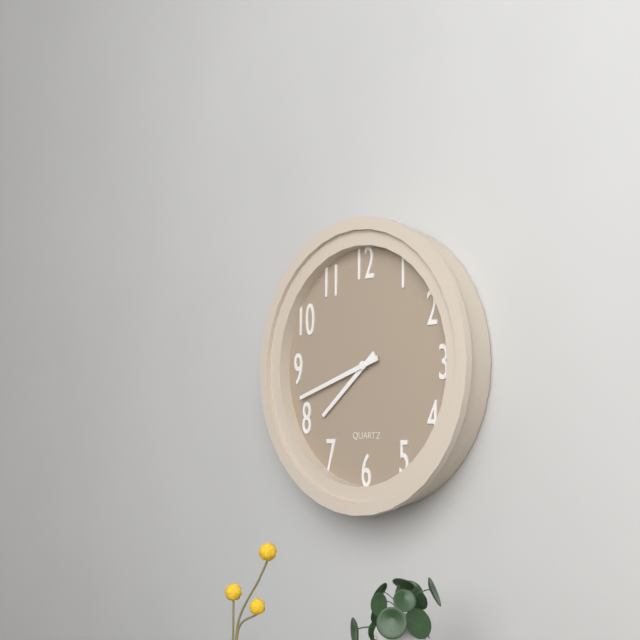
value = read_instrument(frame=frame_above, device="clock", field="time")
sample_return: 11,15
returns 7,42
